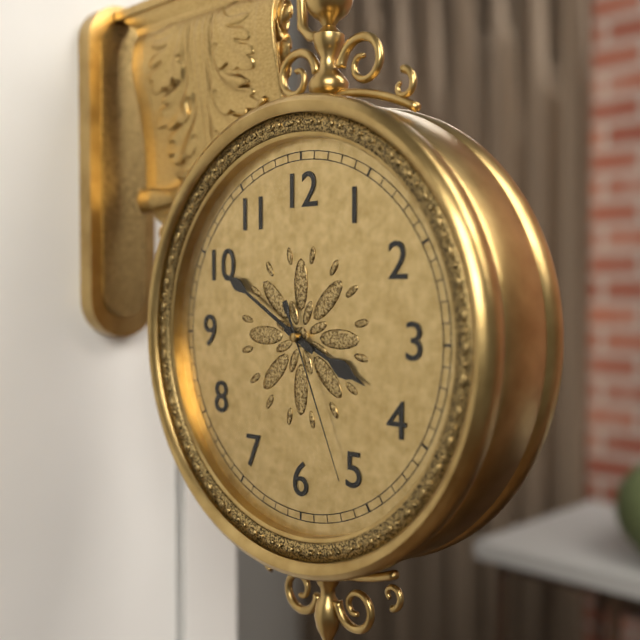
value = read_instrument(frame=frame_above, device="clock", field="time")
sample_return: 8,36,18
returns 3,50,26
